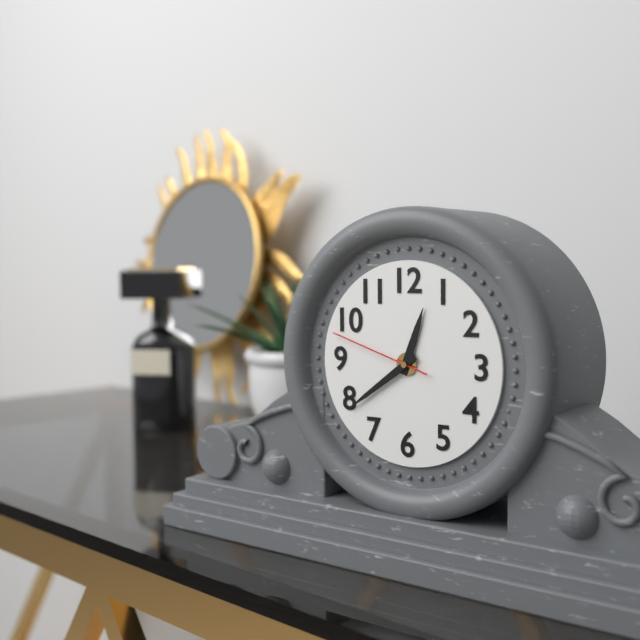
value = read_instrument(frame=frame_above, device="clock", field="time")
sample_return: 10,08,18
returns 12,39,48
